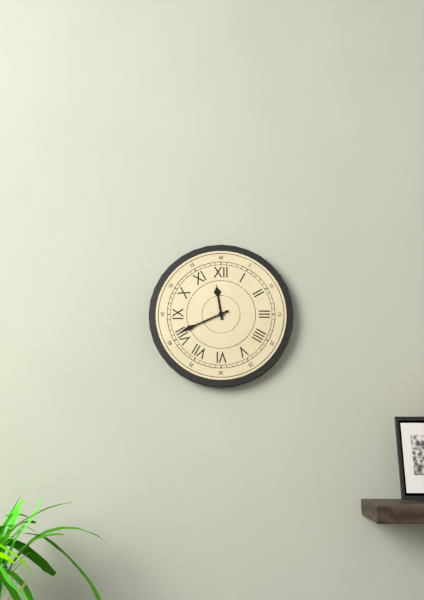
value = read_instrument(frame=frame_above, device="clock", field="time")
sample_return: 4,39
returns 11,41
